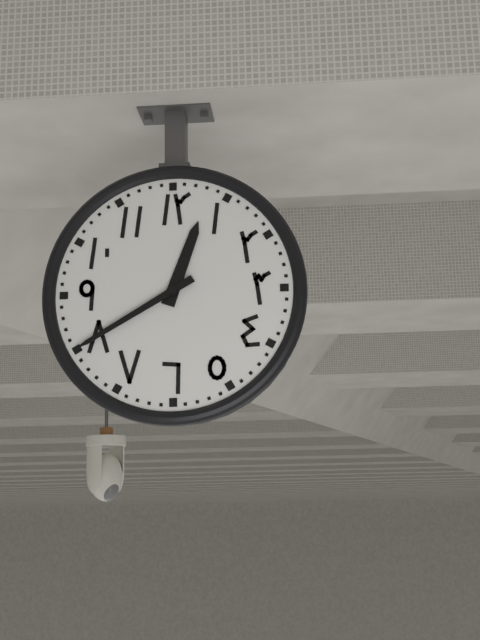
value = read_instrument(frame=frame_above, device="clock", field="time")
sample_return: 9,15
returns 12,40
